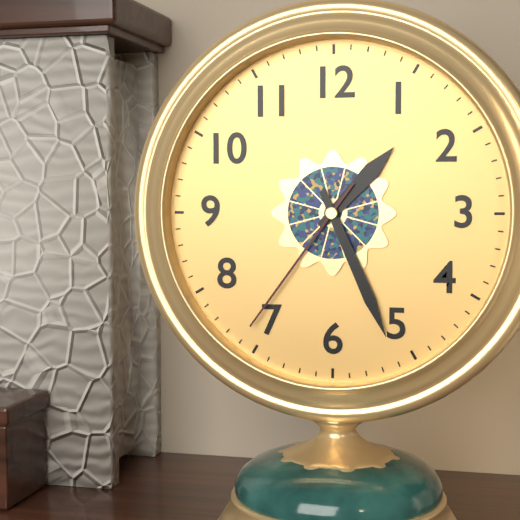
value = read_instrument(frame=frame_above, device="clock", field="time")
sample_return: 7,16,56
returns 1,26,36
